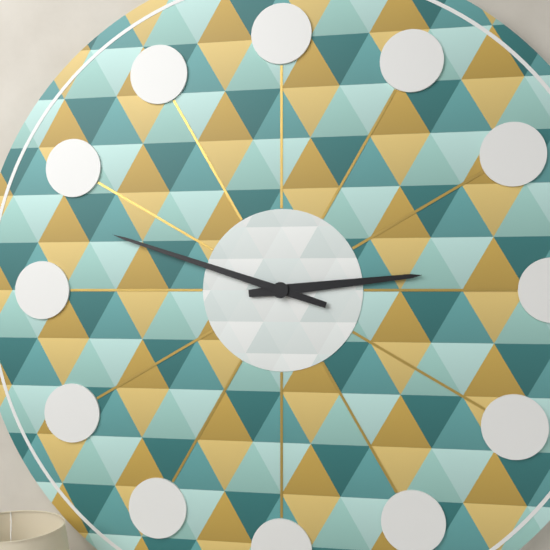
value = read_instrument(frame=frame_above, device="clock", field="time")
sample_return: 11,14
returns 2,48
